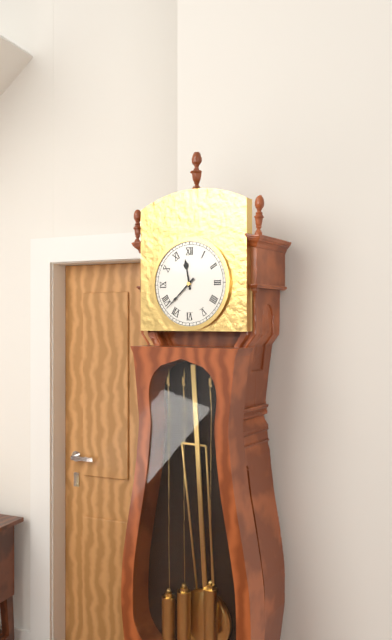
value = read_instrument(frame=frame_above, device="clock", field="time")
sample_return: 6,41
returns 11,38
